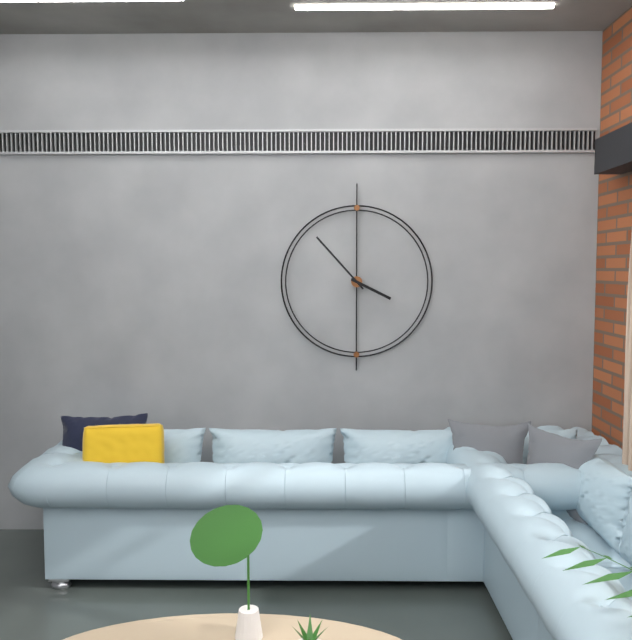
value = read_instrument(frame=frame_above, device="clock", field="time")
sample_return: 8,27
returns 3,53
